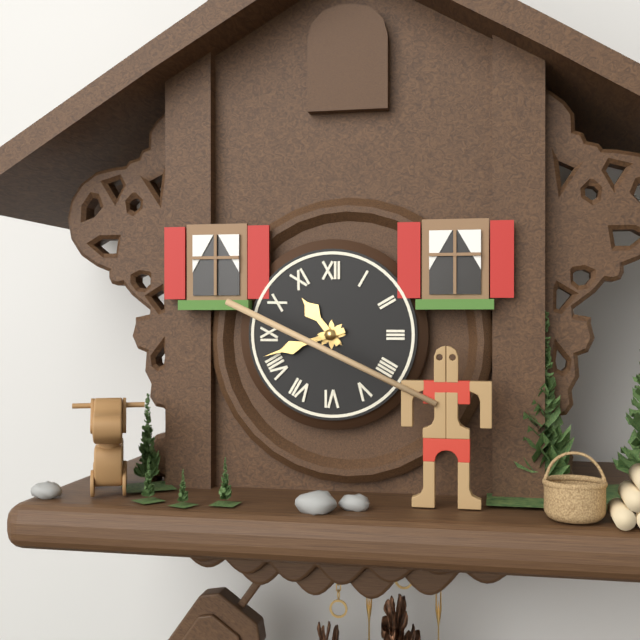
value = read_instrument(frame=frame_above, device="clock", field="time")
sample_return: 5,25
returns 10,42
